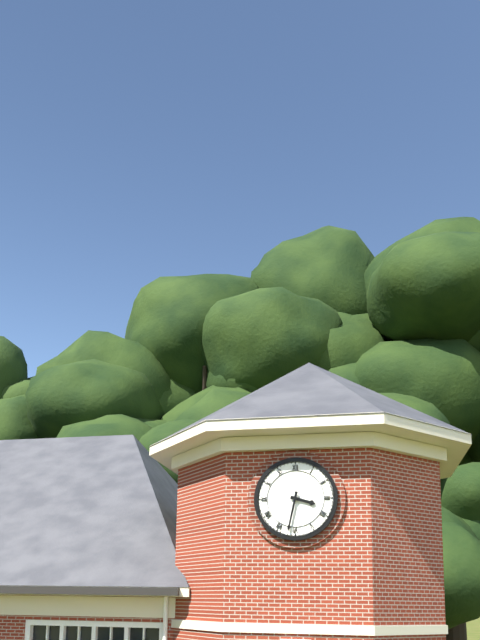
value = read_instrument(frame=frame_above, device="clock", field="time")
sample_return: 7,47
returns 3,32
